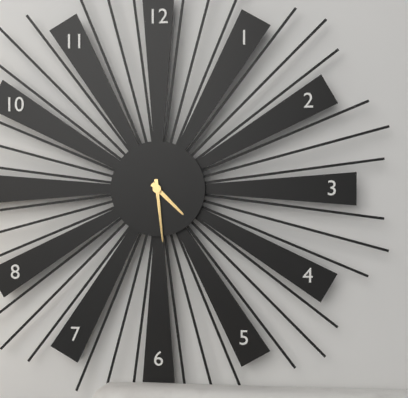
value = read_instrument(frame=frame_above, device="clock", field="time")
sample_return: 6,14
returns 4,29
